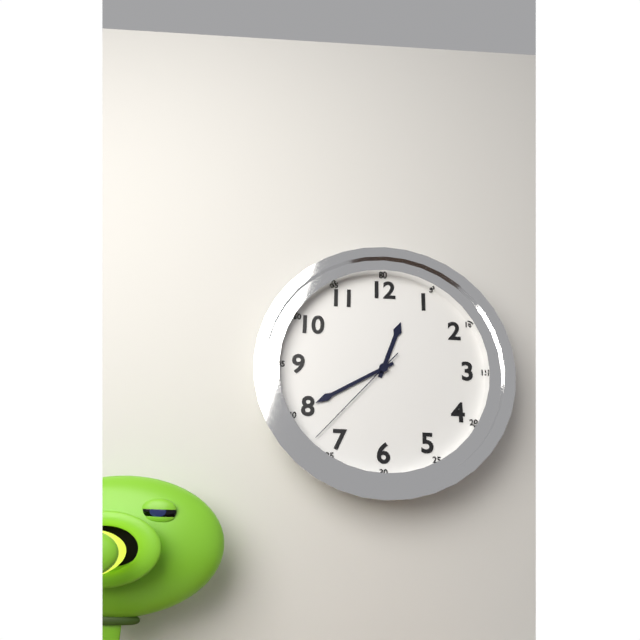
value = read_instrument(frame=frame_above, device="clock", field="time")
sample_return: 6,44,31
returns 12,40,37
